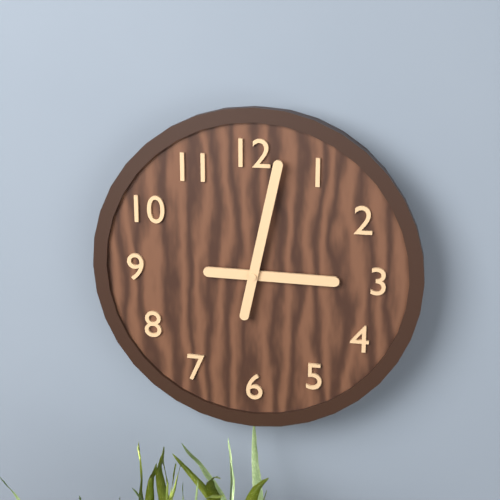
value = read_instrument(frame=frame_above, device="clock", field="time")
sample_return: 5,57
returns 3,02
